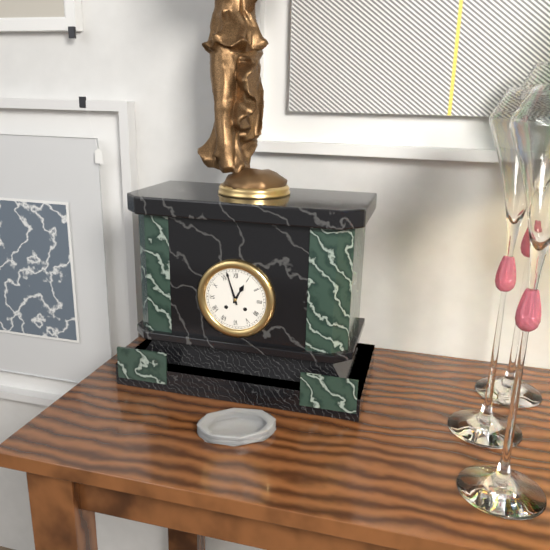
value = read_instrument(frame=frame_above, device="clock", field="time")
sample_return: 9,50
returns 12,57
